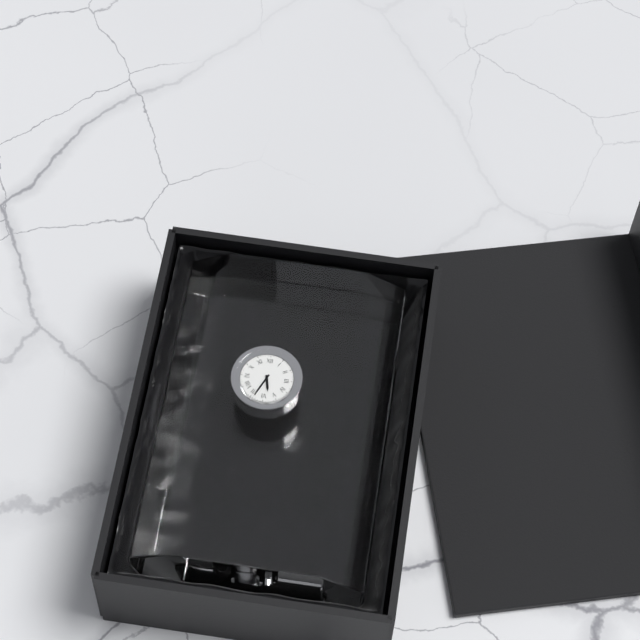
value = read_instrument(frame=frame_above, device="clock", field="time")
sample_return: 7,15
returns 5,34
